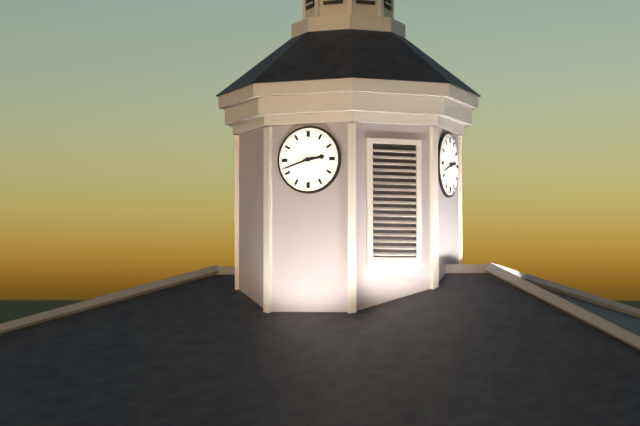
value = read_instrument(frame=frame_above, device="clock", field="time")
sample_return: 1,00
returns 2,42
